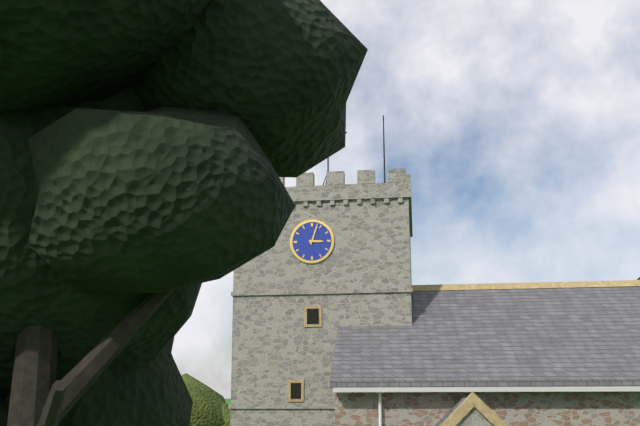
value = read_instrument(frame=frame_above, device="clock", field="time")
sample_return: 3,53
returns 3,03
